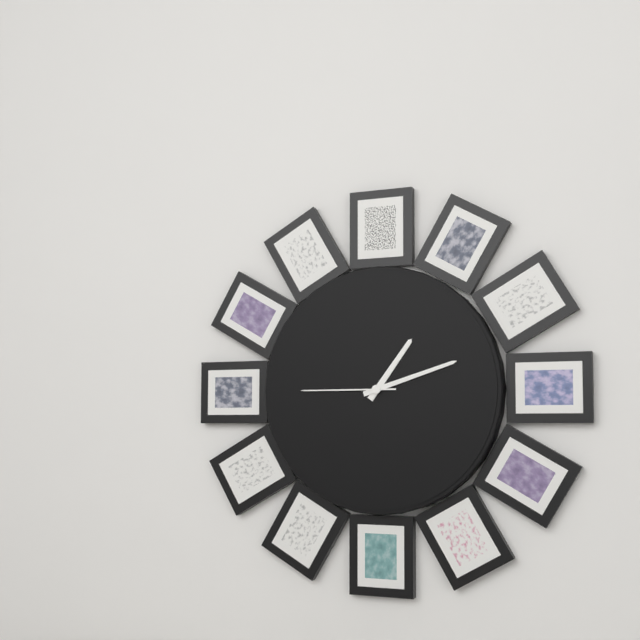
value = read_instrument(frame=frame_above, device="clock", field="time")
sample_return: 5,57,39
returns 1,12,45
